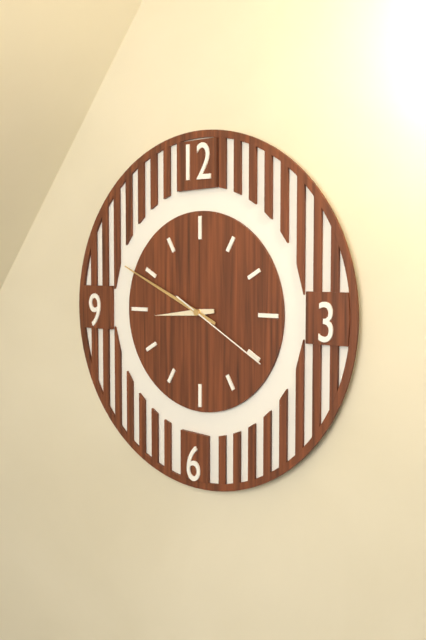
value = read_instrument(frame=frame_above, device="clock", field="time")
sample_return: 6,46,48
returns 8,49,20
